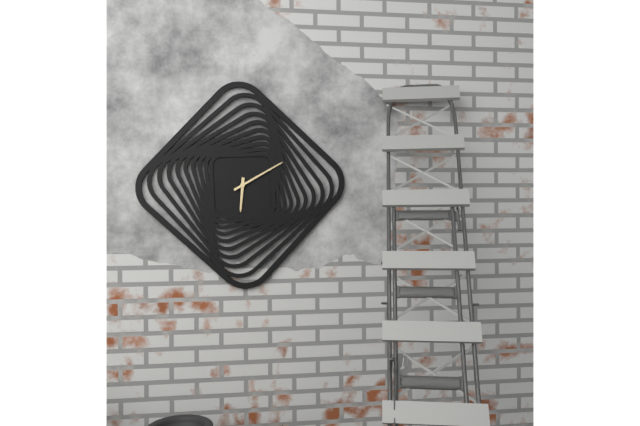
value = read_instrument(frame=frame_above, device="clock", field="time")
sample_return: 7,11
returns 6,10
